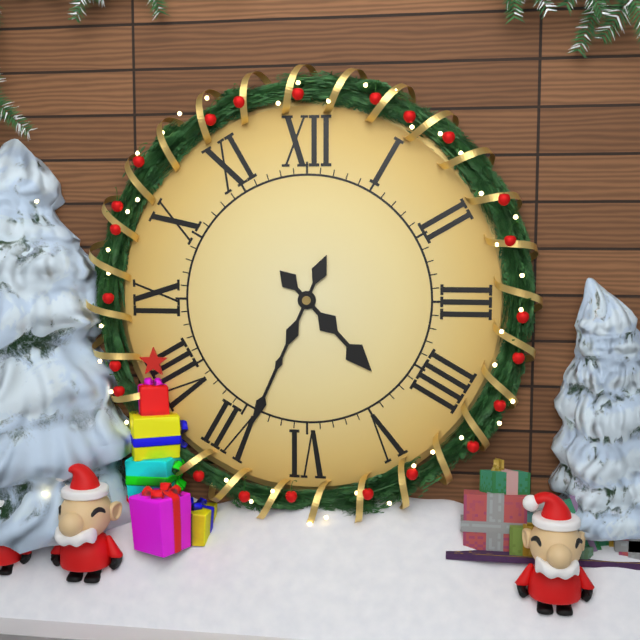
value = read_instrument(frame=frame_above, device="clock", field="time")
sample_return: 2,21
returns 4,34
